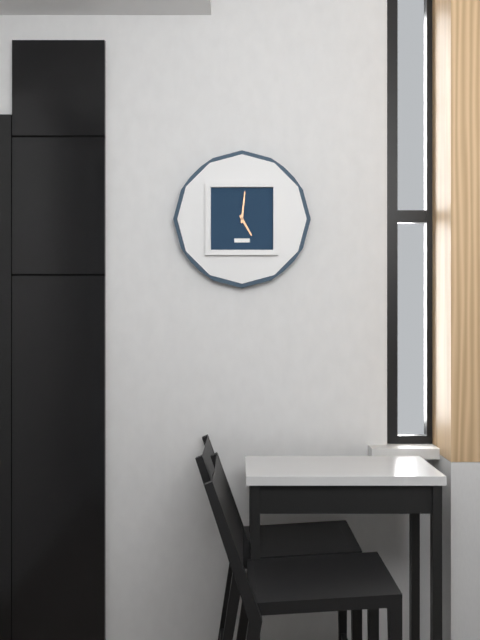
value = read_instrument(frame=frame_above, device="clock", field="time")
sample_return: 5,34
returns 5,01
